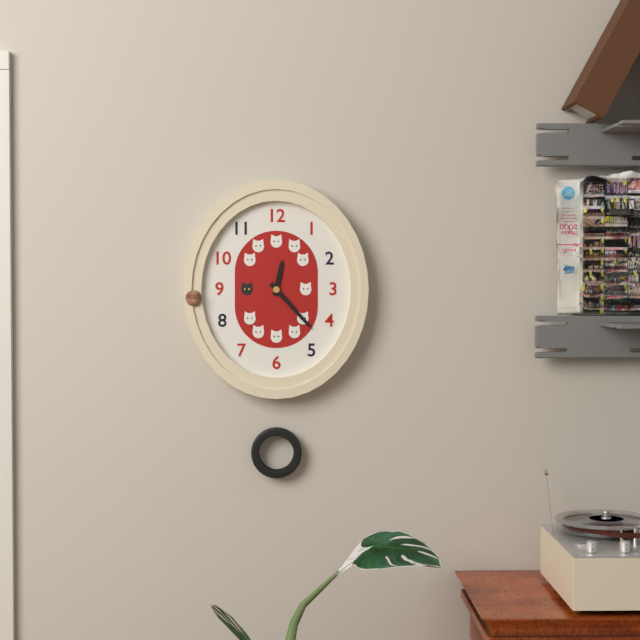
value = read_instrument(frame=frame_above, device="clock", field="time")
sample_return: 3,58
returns 12,23
